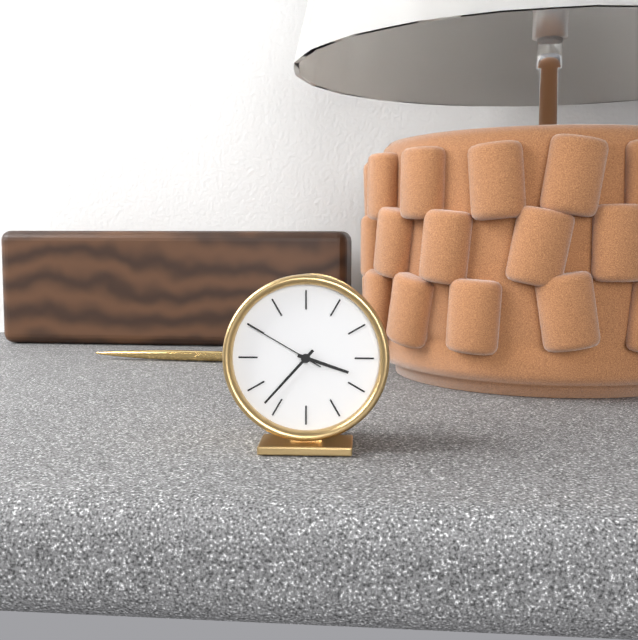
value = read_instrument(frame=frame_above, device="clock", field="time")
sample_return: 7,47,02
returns 3,37,50
